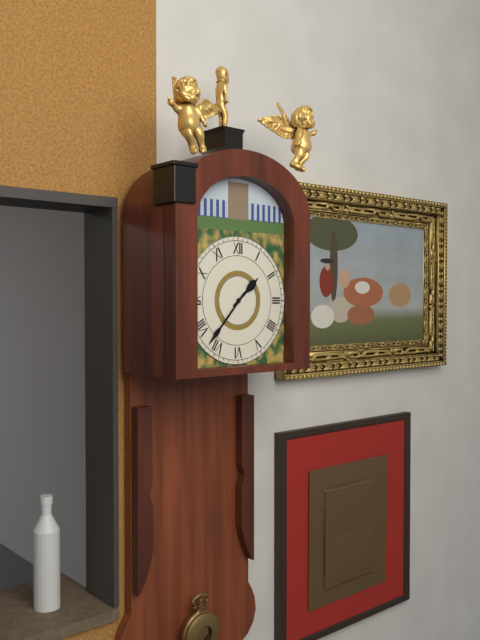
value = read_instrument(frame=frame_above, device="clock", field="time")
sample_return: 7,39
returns 1,37
